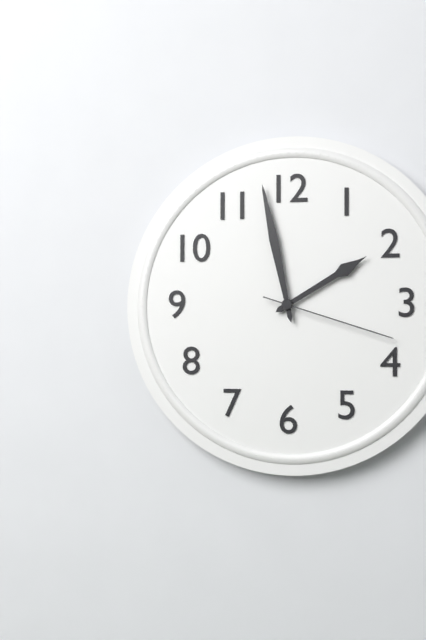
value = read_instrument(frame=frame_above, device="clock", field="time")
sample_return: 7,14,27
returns 1,58,18
